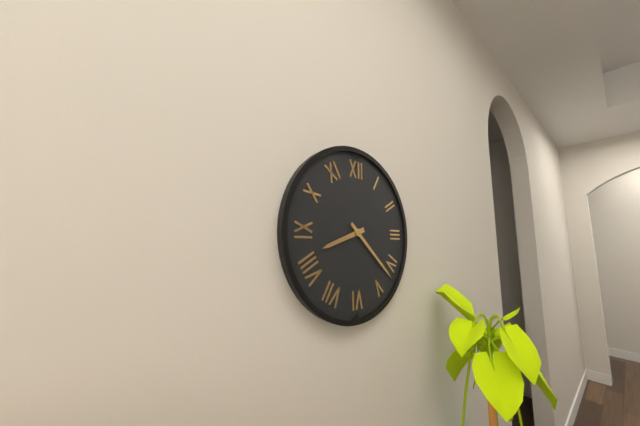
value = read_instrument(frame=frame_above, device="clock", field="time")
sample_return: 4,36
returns 8,22
